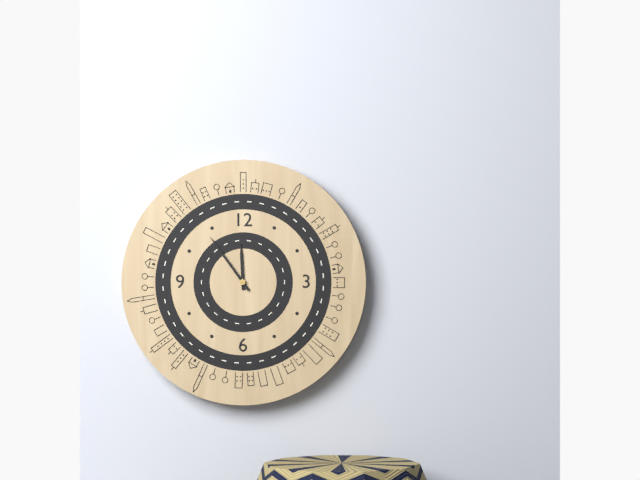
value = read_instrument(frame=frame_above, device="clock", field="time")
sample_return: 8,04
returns 11,54
